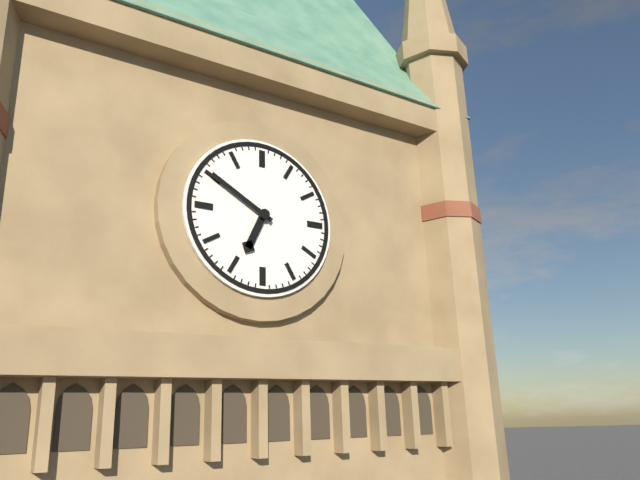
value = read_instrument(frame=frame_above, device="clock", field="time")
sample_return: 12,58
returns 6,50
